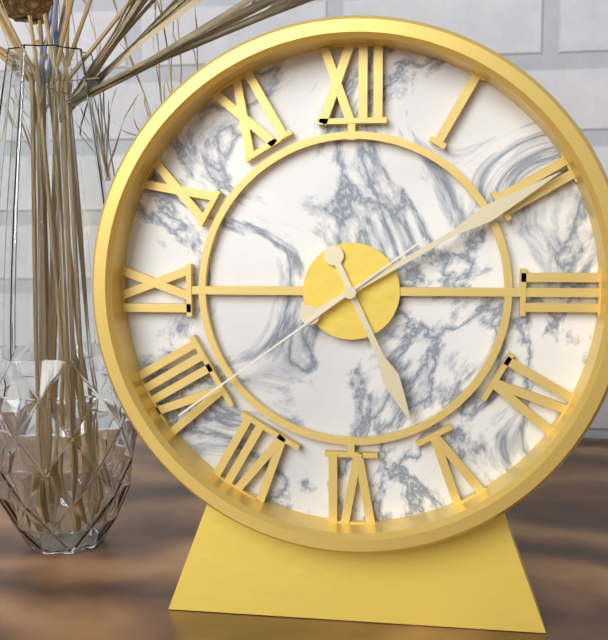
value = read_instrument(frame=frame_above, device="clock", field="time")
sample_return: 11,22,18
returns 5,10,39
